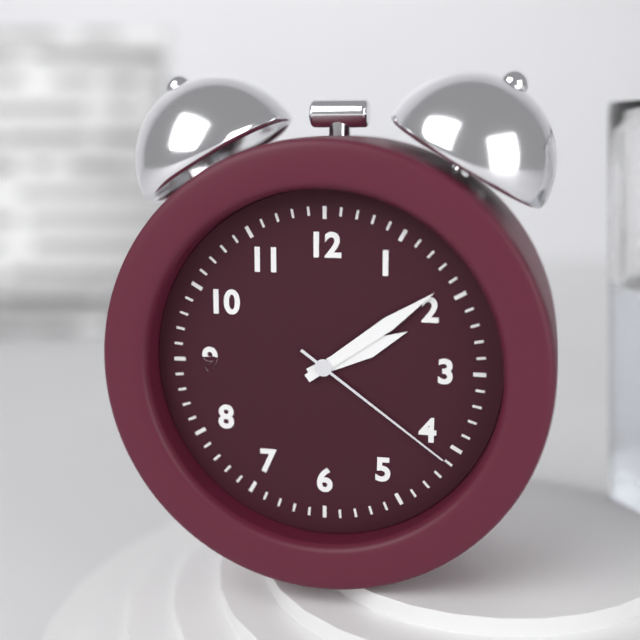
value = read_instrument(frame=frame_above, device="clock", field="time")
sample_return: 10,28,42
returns 2,09,21
